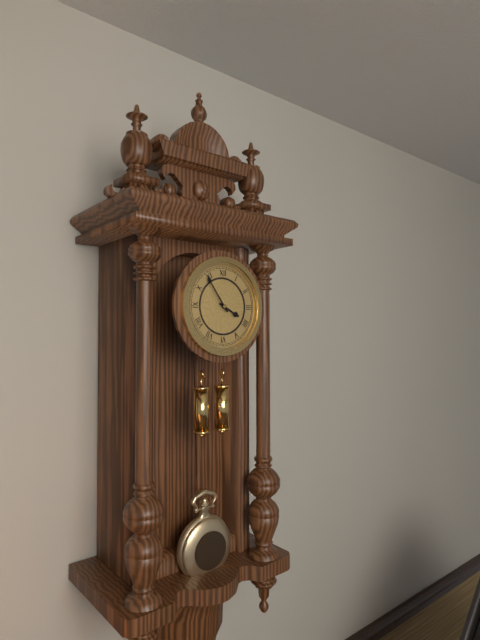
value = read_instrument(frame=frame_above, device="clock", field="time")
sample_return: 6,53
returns 3,54
